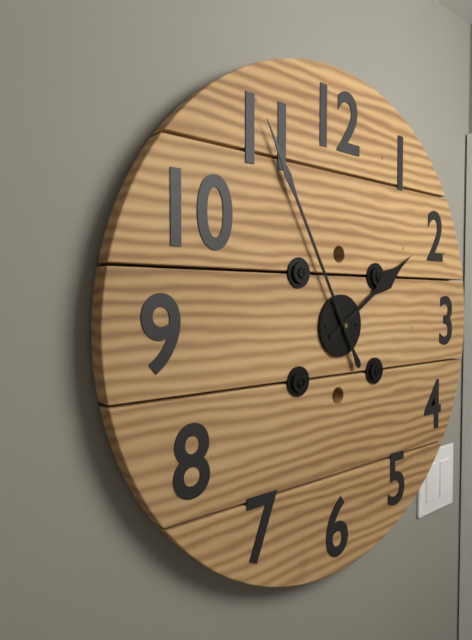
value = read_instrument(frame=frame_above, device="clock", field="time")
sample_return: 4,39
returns 1,55
